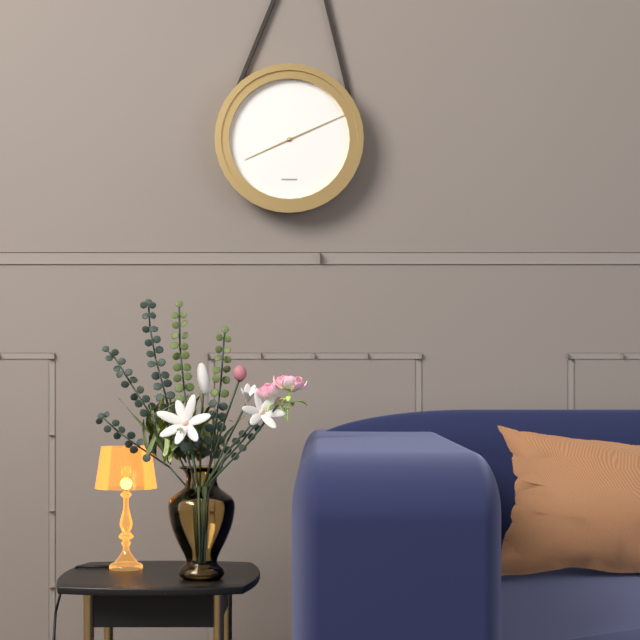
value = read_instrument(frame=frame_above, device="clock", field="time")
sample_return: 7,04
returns 8,11
